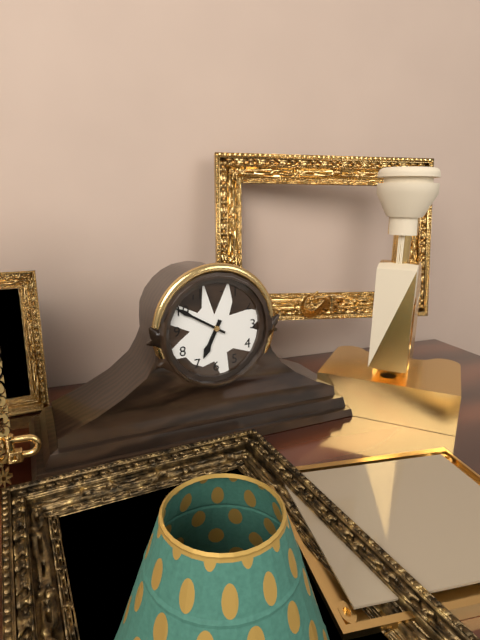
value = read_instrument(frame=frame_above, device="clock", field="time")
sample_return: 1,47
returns 6,50
